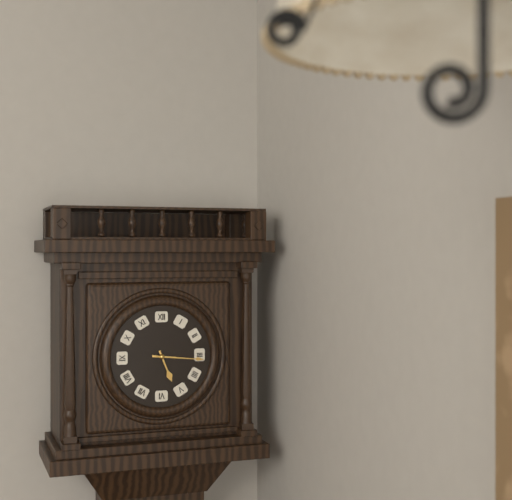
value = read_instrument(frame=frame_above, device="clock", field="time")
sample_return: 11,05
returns 5,16
